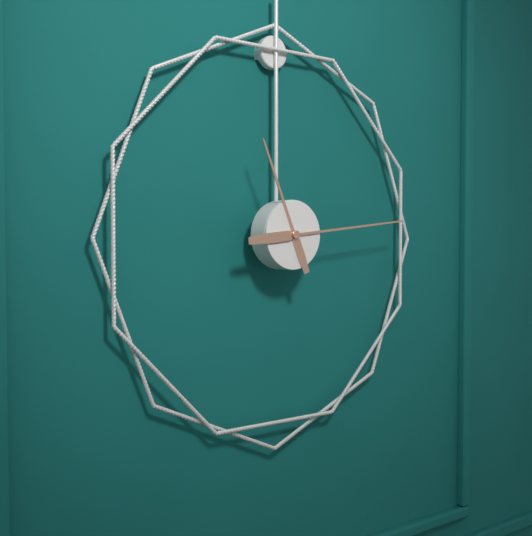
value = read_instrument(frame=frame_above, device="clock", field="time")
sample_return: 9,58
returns 11,14
